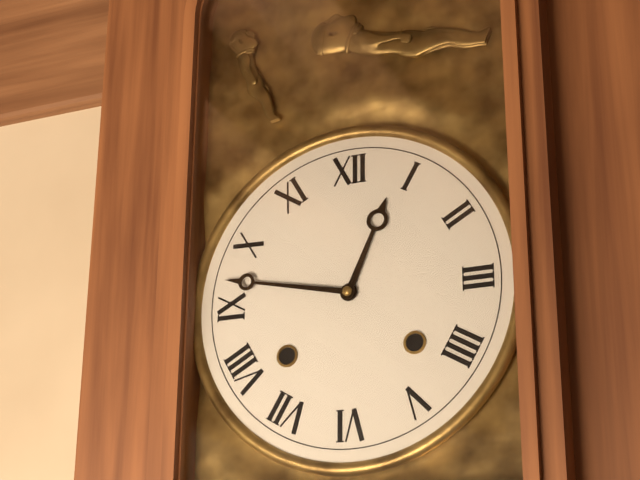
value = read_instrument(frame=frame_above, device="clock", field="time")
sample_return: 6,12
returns 12,47
